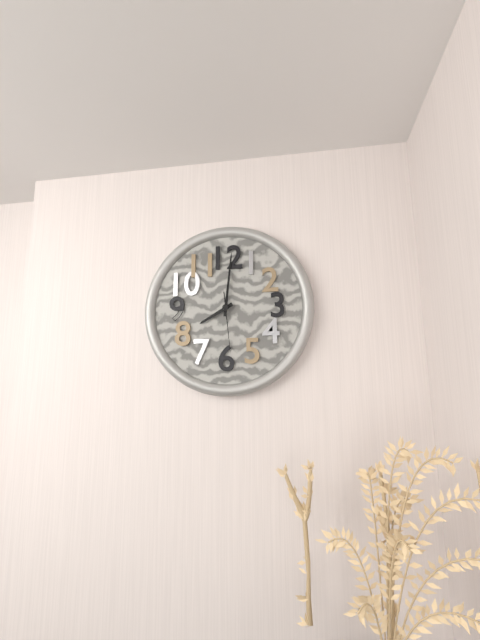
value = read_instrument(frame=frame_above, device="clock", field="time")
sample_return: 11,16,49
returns 8,01,29
